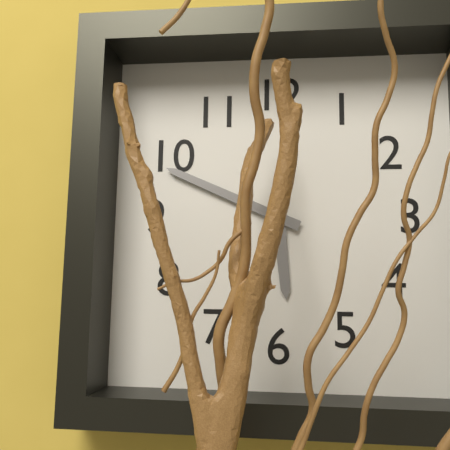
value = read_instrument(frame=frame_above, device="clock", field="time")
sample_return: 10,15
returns 5,49
